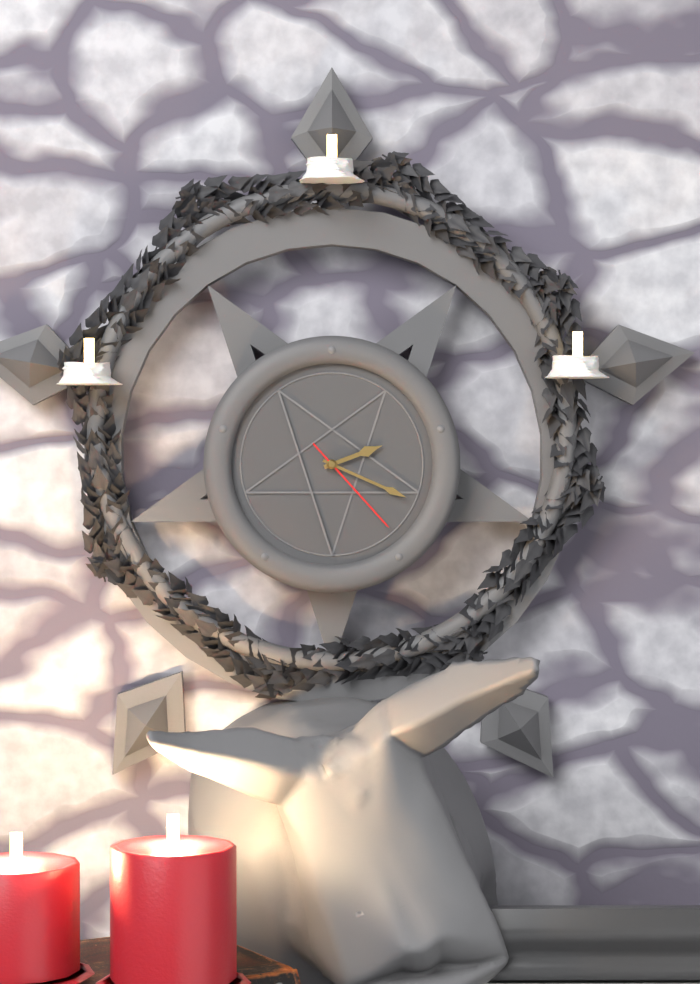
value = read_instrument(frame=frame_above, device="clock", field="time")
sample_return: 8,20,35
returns 2,19,23
